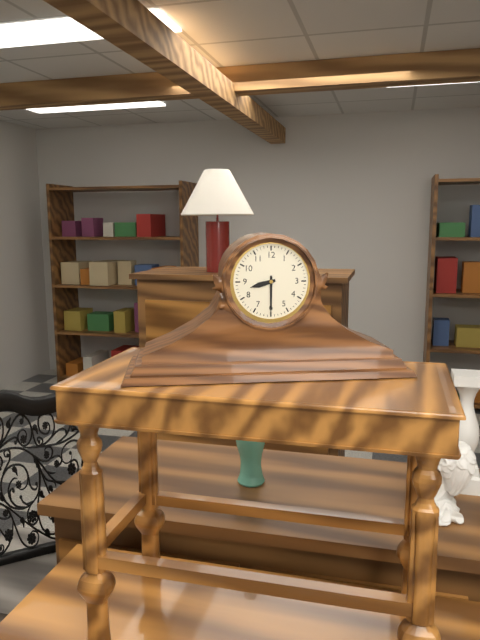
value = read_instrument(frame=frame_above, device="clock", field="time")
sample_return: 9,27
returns 8,30
